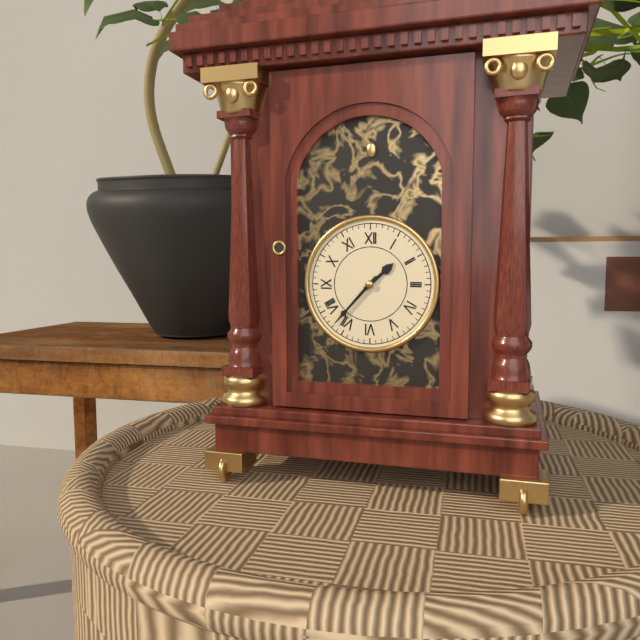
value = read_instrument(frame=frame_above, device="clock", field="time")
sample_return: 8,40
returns 1,37
